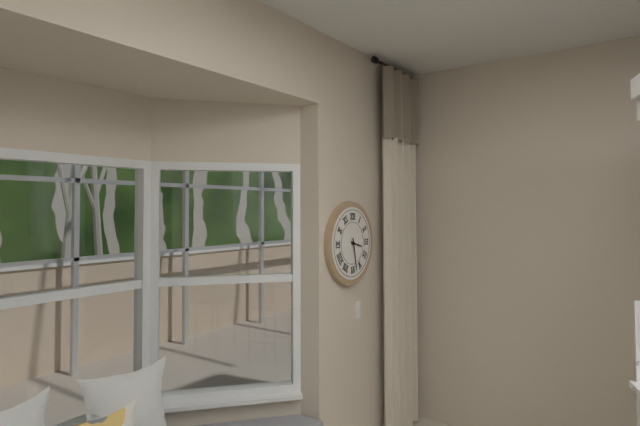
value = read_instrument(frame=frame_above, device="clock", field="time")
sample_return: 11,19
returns 3,28
